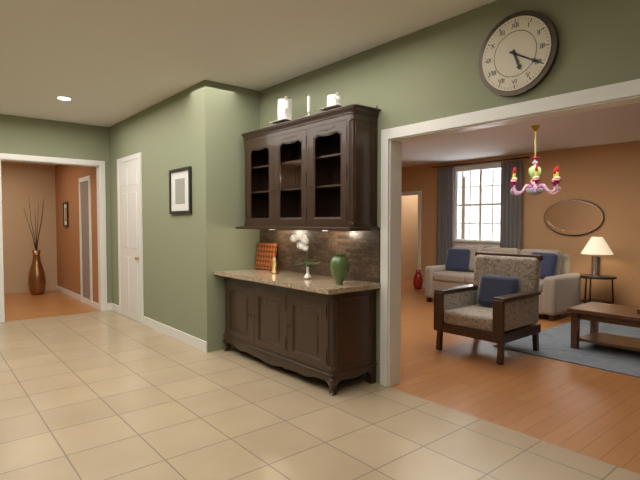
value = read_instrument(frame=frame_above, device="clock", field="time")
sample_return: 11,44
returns 5,20
